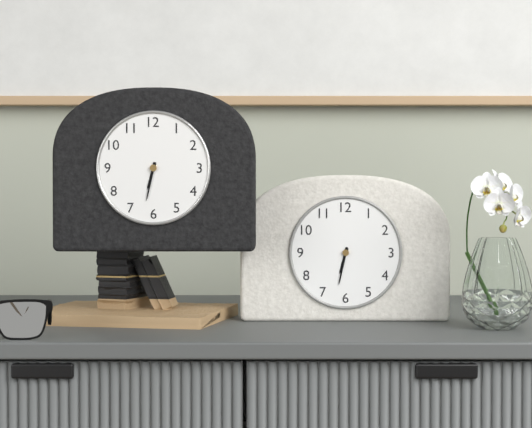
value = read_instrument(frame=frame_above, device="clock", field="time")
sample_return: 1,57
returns 6,32
